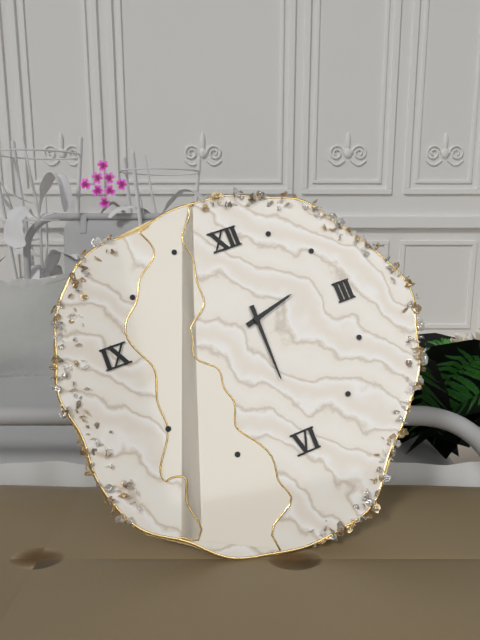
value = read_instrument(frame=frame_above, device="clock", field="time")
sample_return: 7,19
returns 2,30
